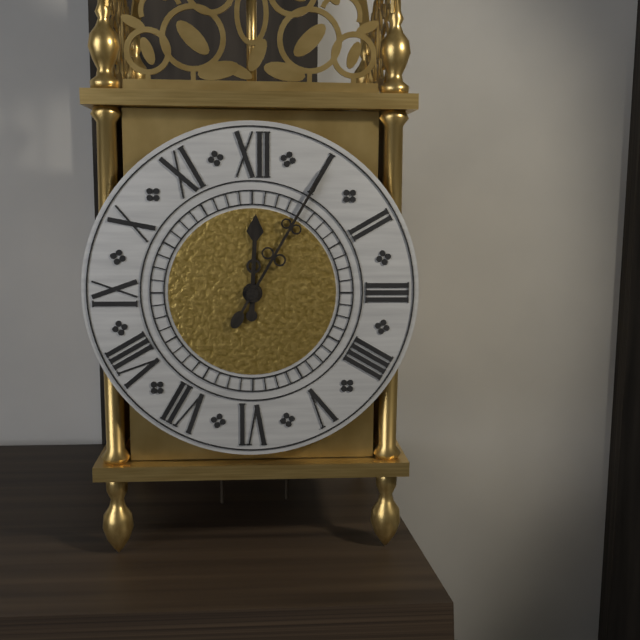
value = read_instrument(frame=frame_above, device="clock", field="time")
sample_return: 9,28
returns 12,05
